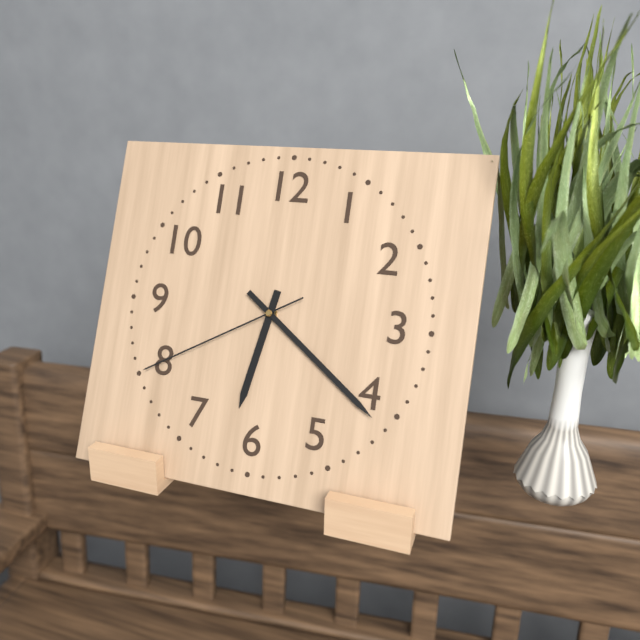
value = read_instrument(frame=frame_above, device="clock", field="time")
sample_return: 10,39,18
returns 6,21,40
